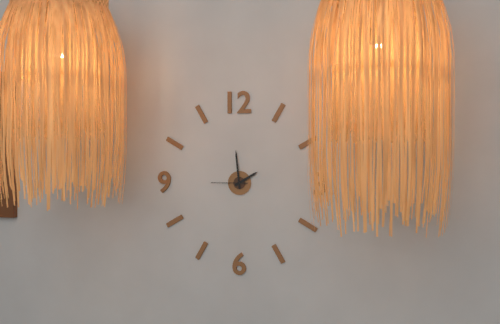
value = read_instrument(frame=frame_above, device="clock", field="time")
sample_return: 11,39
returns 1,59
